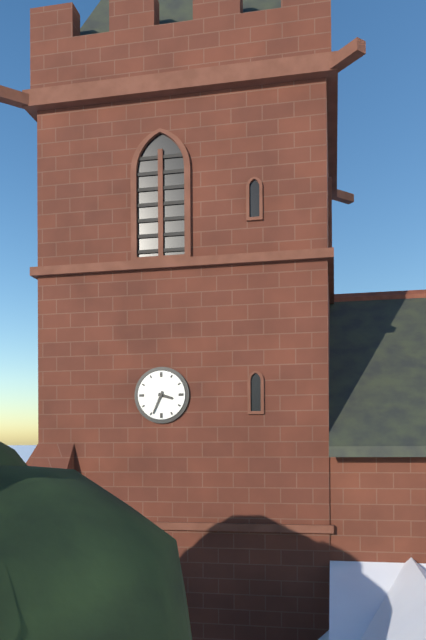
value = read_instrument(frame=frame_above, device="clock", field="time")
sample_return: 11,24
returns 3,34
